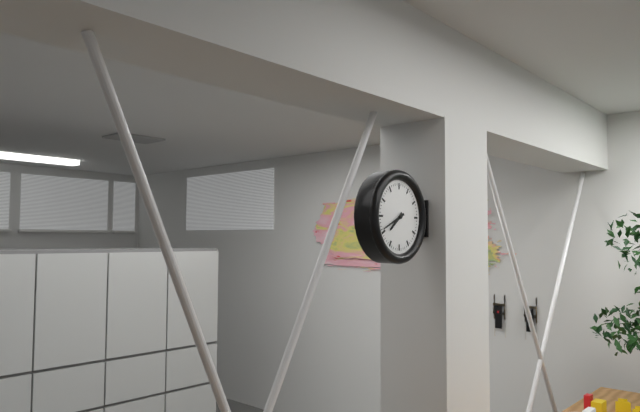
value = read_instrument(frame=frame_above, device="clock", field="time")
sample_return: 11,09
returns 7,41
